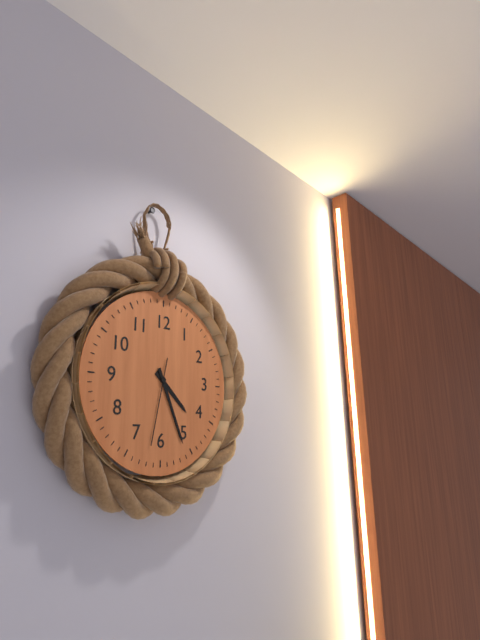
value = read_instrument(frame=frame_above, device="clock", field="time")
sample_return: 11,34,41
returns 4,26,32
